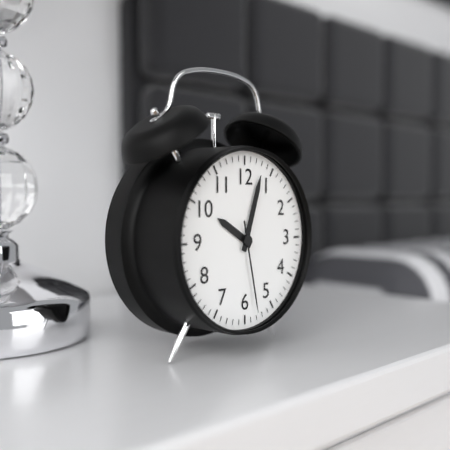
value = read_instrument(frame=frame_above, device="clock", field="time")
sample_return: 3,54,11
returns 10,03,28
